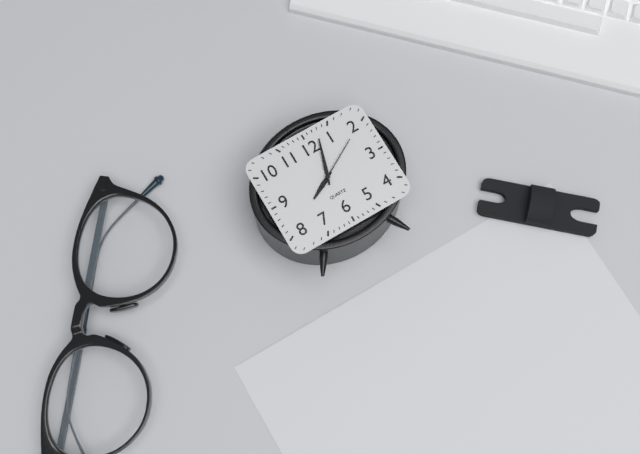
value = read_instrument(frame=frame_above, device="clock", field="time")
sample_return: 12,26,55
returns 8,03,10
